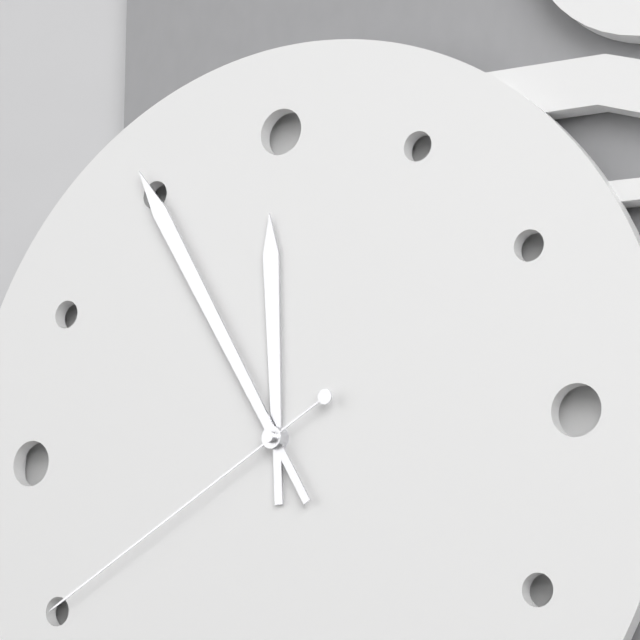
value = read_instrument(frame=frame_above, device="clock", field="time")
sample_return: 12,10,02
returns 11,55,40
